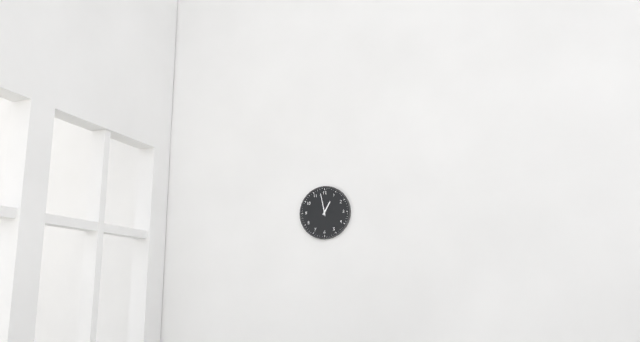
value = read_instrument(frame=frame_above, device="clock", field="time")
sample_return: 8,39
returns 12,58
